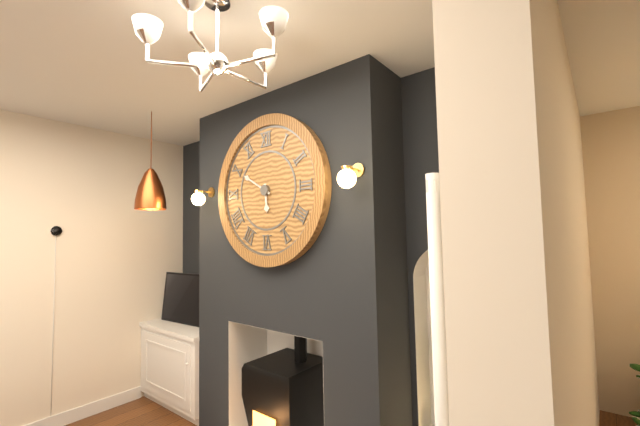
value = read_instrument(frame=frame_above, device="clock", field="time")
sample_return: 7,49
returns 5,50
